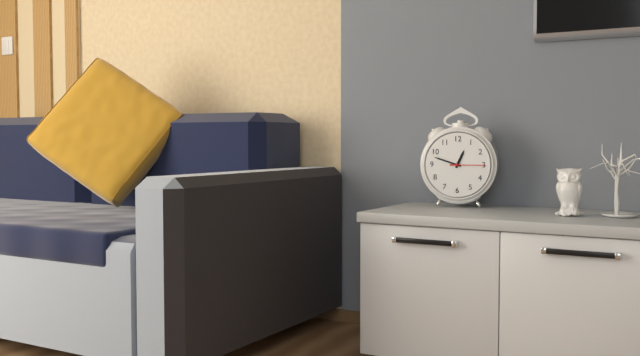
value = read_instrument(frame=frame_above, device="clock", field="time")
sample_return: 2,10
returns 12,48
